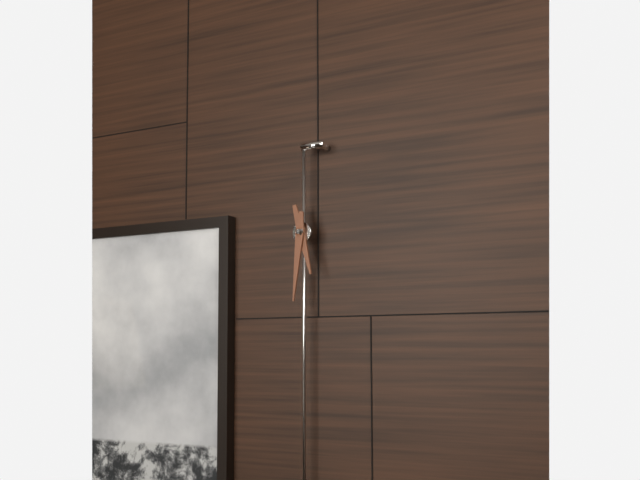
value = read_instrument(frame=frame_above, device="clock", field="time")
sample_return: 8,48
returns 5,31
